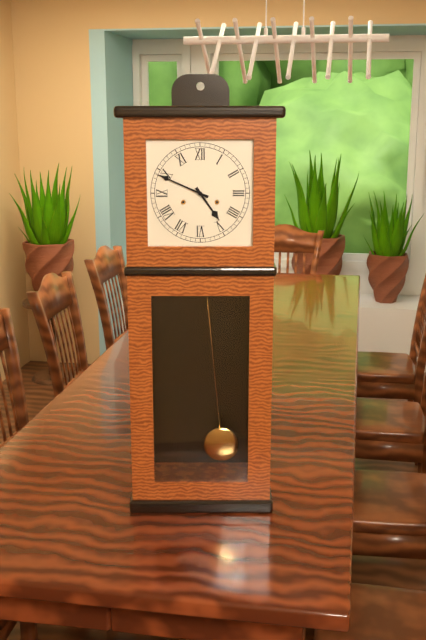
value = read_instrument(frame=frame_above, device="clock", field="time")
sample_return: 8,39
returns 4,49
